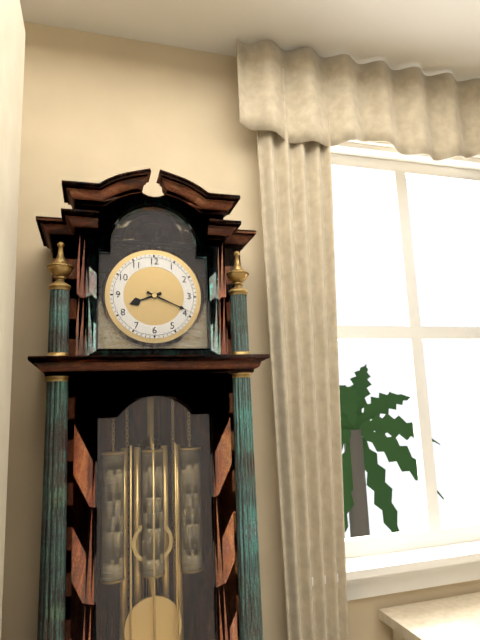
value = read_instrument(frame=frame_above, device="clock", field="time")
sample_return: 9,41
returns 8,19
